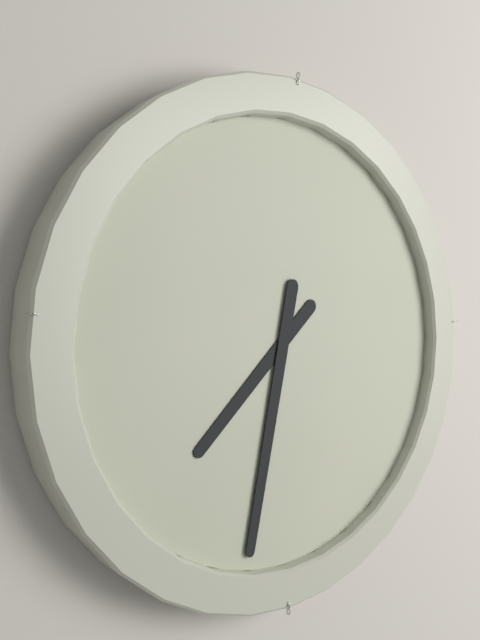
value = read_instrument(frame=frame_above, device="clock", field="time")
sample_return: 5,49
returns 7,32
